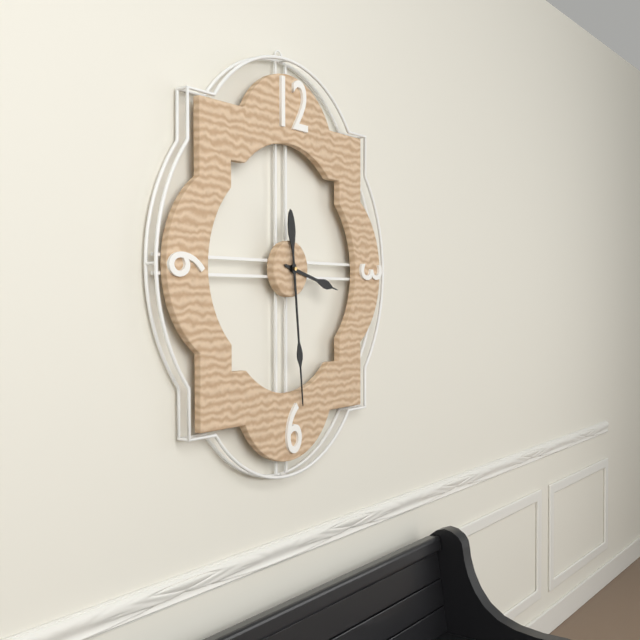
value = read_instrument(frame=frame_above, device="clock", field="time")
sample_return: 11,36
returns 3,29
